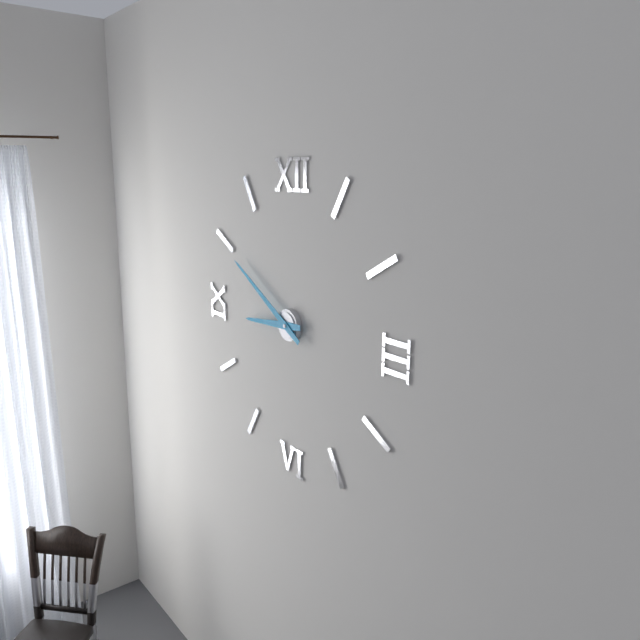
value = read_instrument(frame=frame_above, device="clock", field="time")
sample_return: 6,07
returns 8,50
